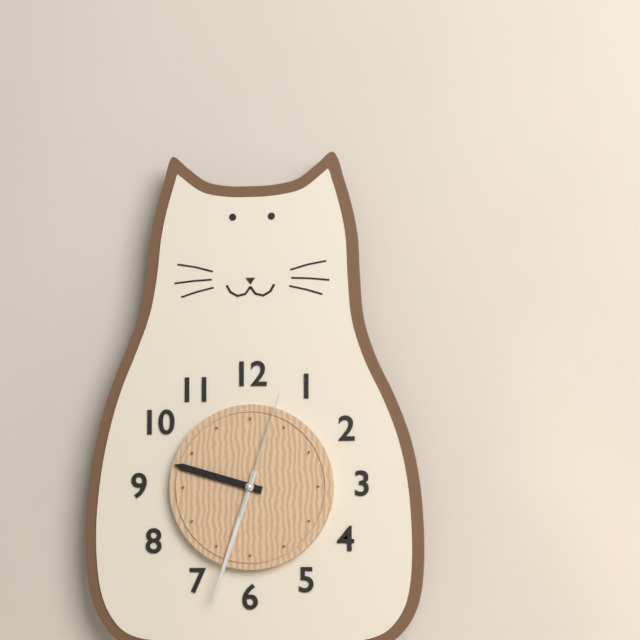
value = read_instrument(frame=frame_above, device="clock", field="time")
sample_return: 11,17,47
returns 9,33,03
